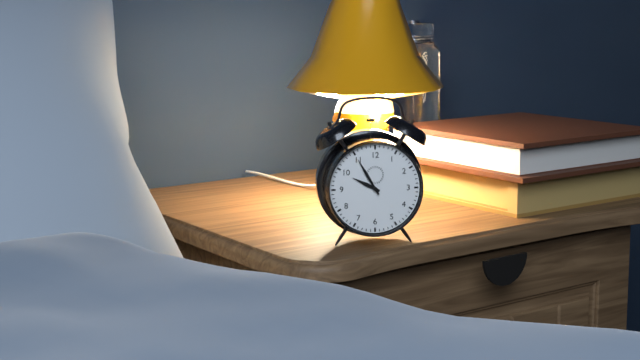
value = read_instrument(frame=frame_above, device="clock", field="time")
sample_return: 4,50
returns 9,55
